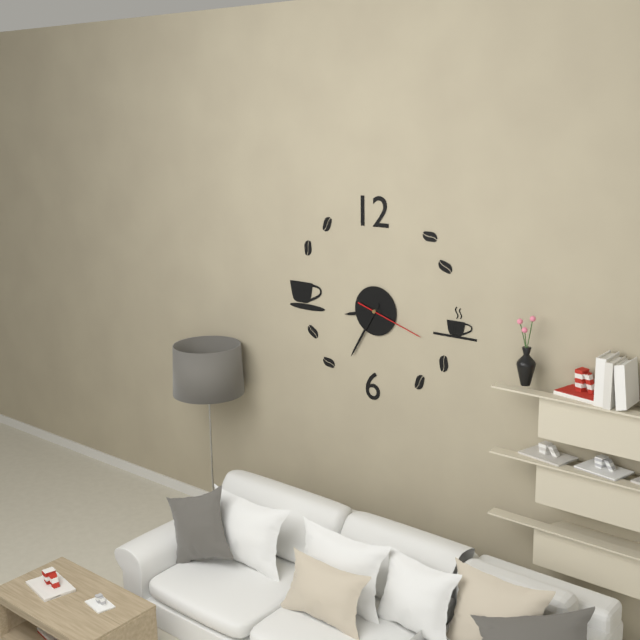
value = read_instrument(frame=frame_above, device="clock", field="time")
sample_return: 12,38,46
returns 8,35,18
